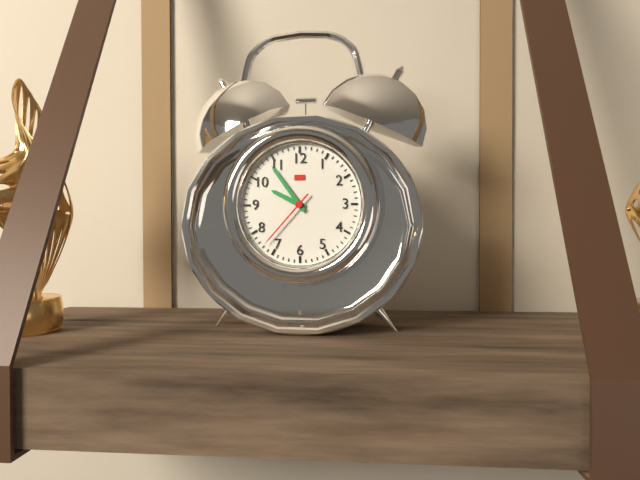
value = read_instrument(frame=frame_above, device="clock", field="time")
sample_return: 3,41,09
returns 9,54,37
